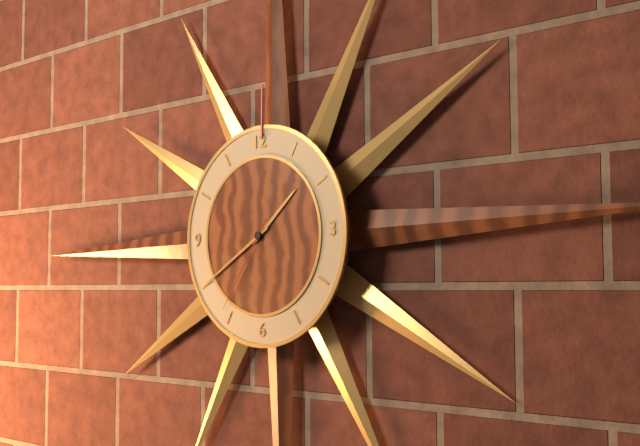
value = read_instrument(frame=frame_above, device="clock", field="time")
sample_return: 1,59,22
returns 1,40,36
